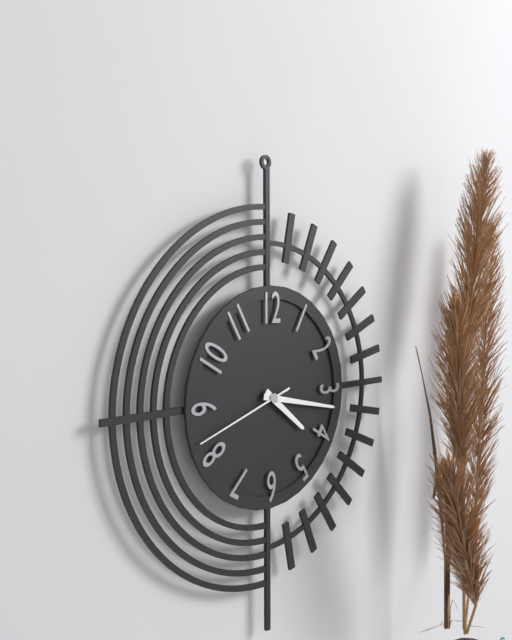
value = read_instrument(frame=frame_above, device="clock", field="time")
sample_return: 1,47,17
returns 4,17,42
